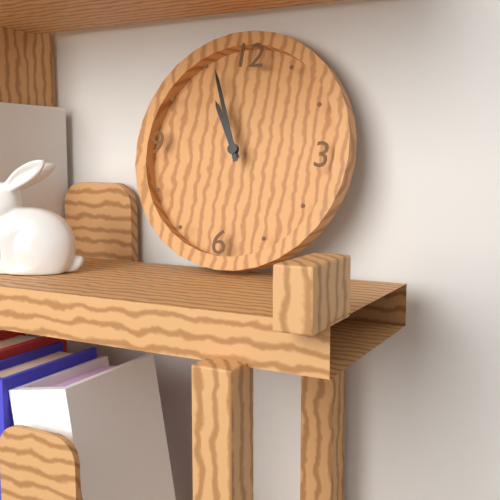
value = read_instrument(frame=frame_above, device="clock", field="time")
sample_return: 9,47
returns 10,56
